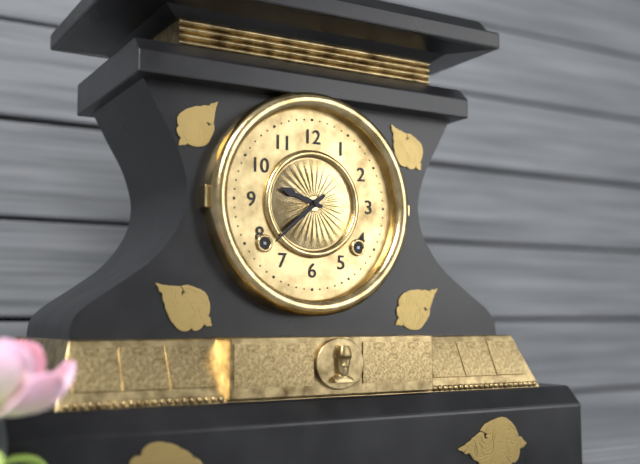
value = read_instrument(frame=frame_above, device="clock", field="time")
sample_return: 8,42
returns 9,38
